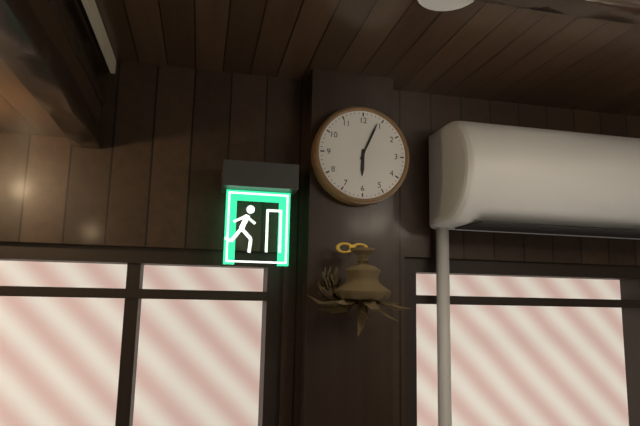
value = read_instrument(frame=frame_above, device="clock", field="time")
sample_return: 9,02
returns 6,04
